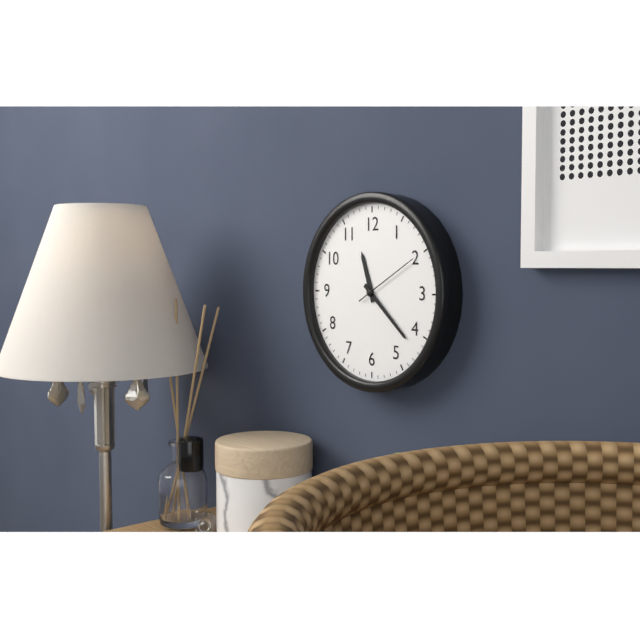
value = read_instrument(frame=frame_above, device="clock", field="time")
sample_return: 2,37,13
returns 11,22,10
